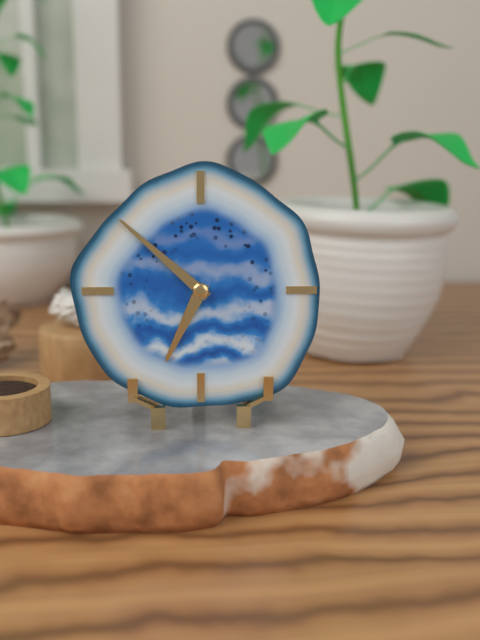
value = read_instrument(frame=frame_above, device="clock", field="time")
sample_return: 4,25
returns 6,52
